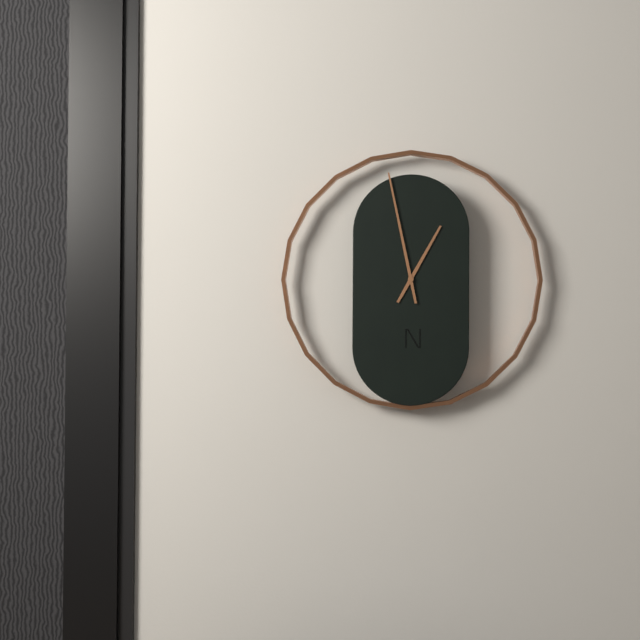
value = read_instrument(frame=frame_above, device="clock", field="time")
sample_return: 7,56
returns 12,58
